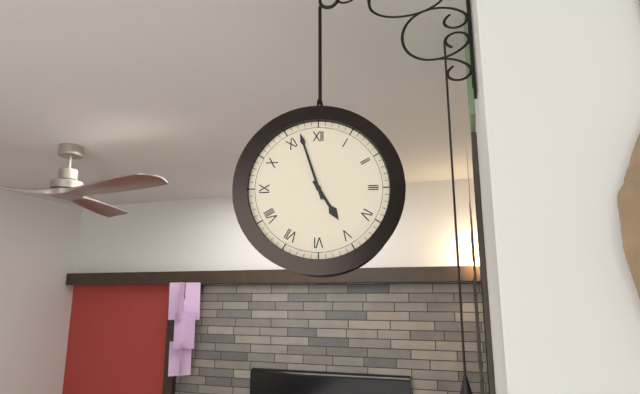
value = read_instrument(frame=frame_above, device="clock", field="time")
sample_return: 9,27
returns 4,57
